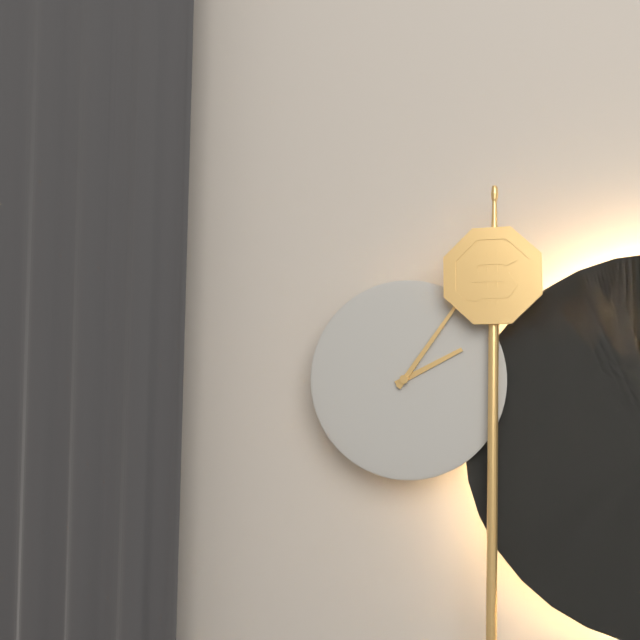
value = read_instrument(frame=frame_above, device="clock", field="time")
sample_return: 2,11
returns 2,06
